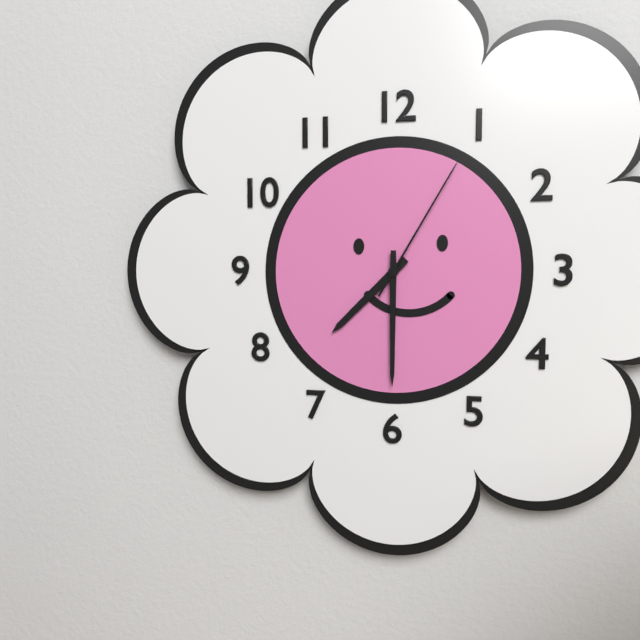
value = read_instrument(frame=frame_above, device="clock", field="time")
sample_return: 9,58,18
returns 7,30,05
